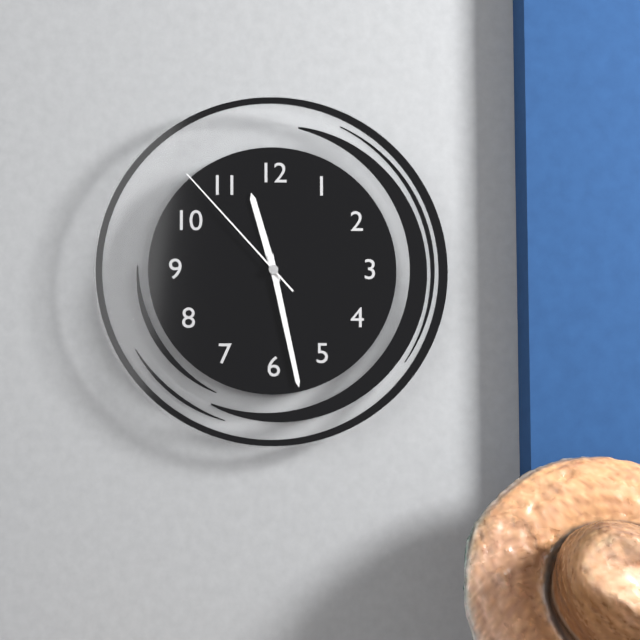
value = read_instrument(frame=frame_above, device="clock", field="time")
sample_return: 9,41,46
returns 11,28,53
